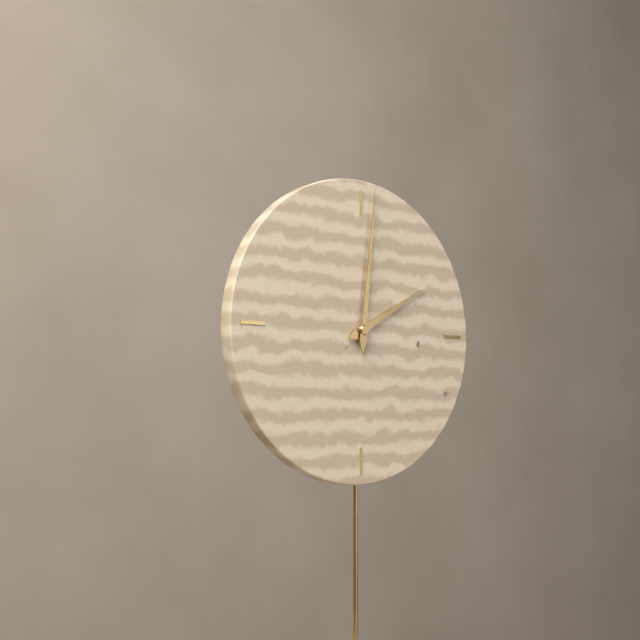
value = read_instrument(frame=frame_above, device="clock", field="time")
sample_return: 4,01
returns 2,01
